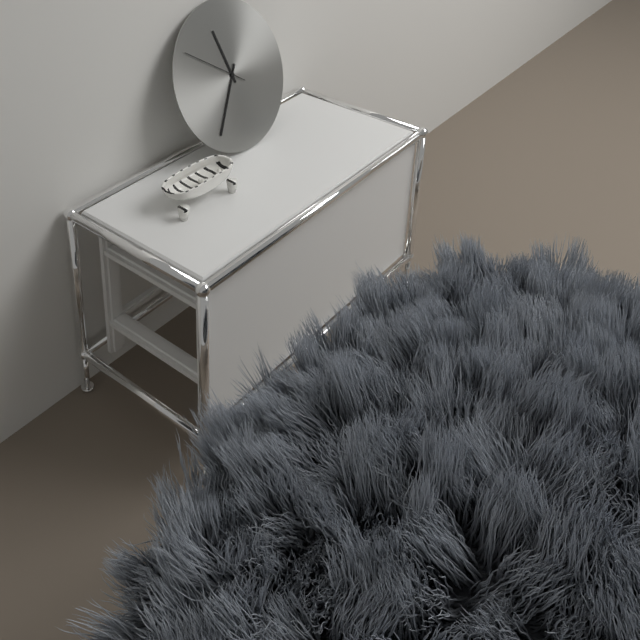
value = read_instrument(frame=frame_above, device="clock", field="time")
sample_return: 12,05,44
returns 11,36,51
